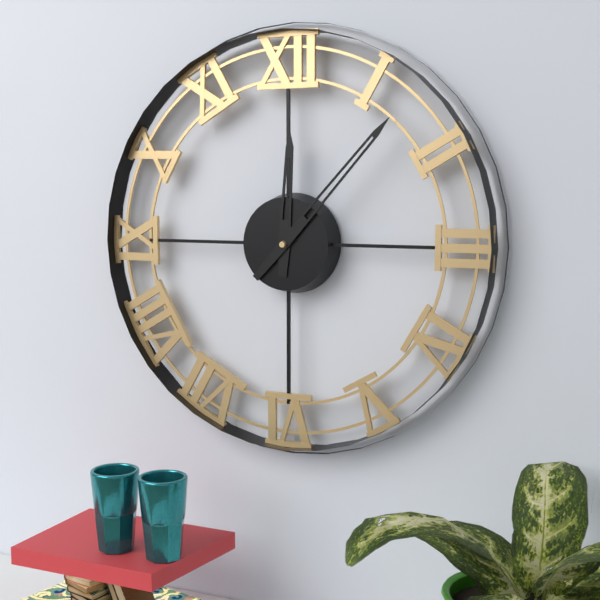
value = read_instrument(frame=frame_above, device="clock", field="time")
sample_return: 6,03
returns 12,07
